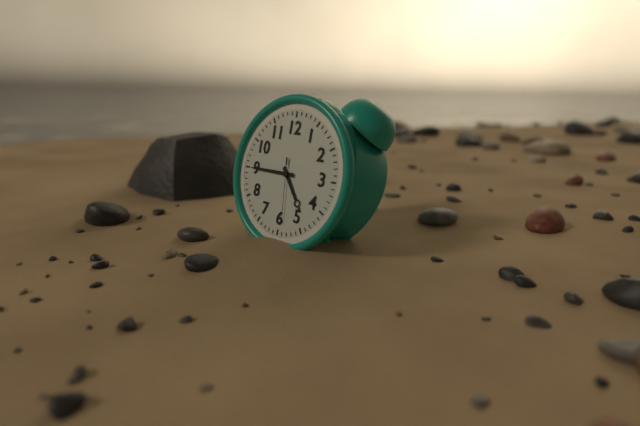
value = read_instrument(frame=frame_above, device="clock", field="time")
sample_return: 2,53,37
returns 4,45,29
